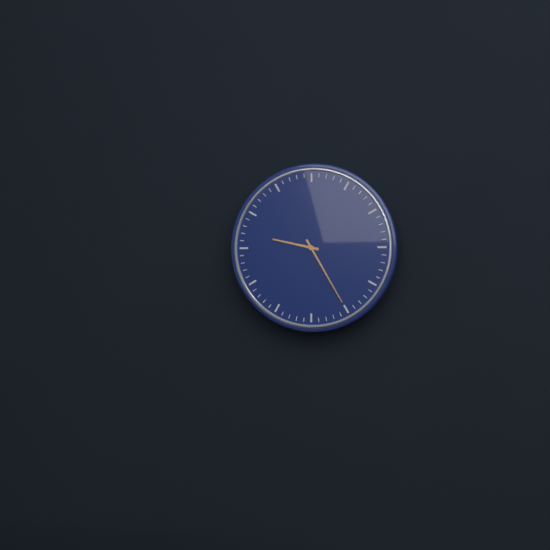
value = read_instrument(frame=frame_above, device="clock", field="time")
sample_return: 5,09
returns 9,25
